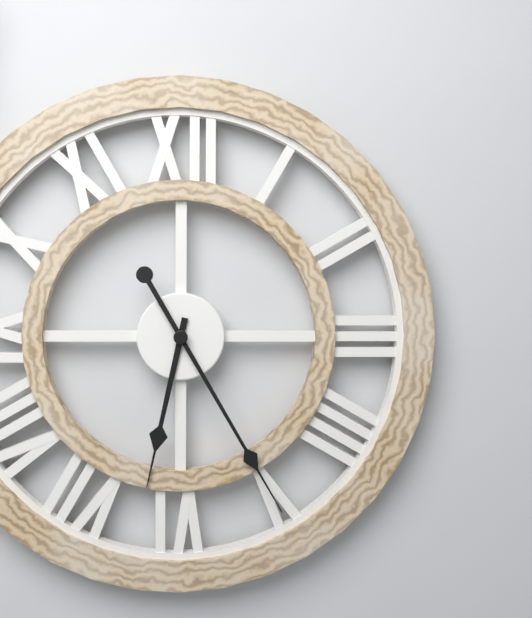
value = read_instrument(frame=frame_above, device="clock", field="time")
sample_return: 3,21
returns 6,25
